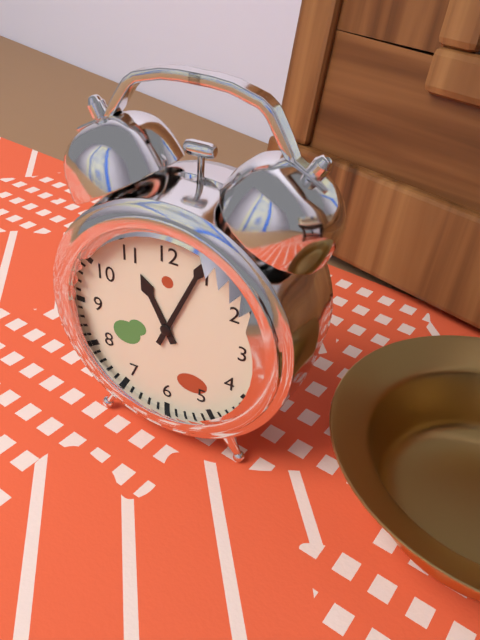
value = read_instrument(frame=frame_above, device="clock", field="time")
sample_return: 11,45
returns 11,04
